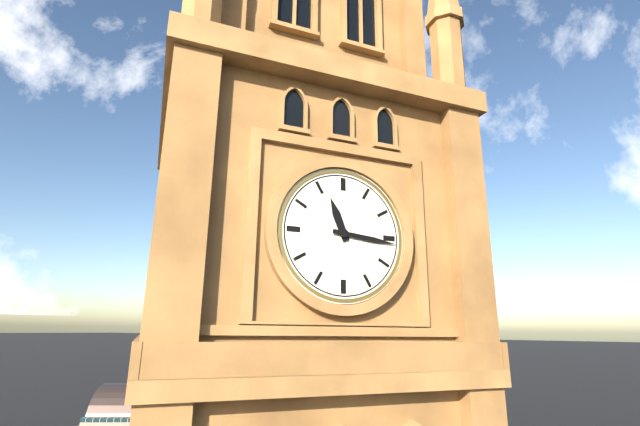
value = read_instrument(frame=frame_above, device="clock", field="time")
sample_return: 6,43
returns 11,16
